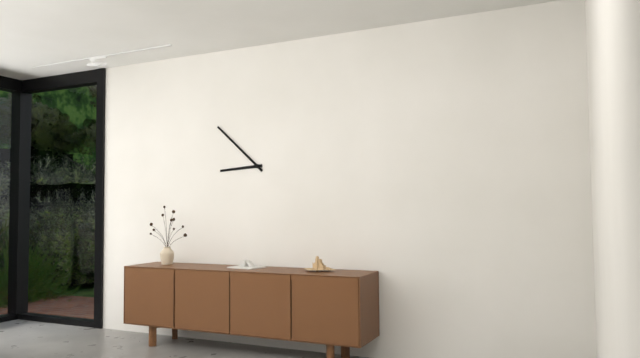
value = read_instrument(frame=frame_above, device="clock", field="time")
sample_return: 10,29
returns 8,52
